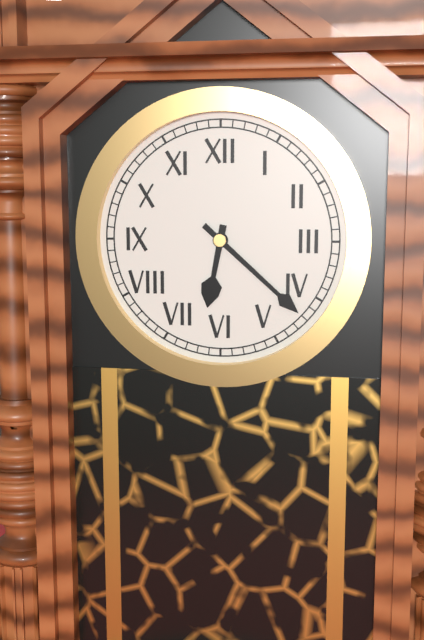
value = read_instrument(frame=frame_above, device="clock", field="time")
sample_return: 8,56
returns 6,22
